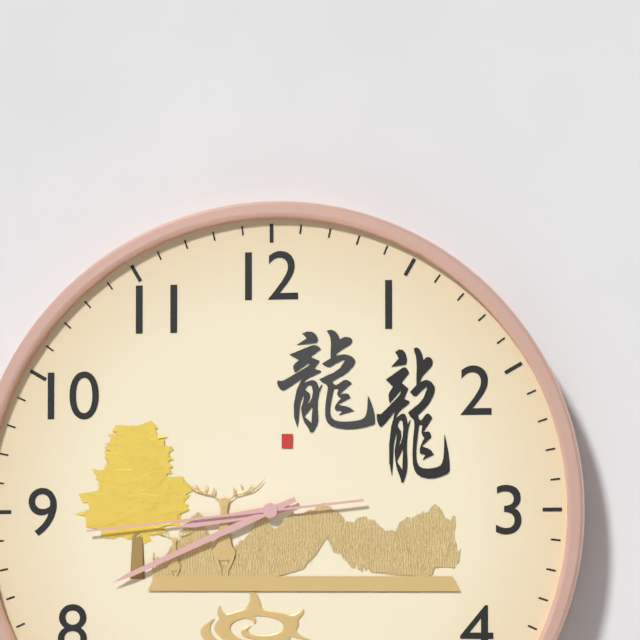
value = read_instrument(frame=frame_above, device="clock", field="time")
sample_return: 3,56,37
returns 8,41,44
